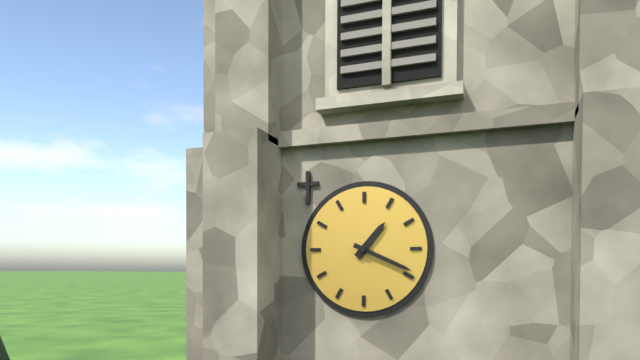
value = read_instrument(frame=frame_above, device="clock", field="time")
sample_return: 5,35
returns 1,19
